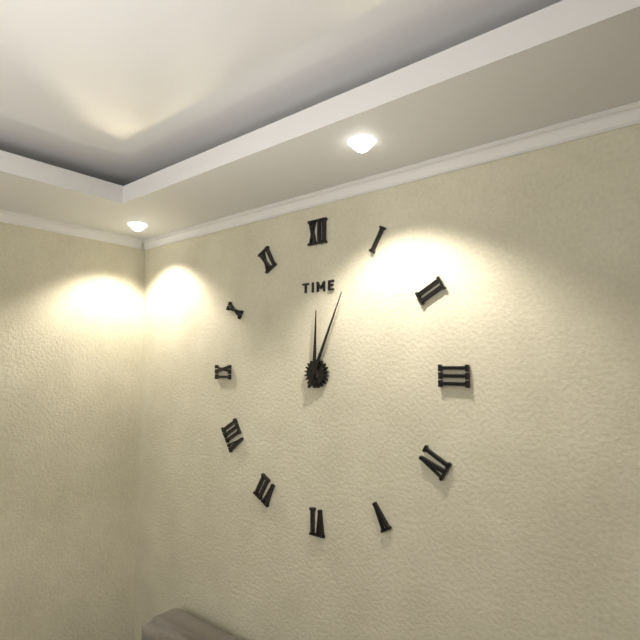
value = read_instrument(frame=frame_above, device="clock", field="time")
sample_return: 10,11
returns 12,04
